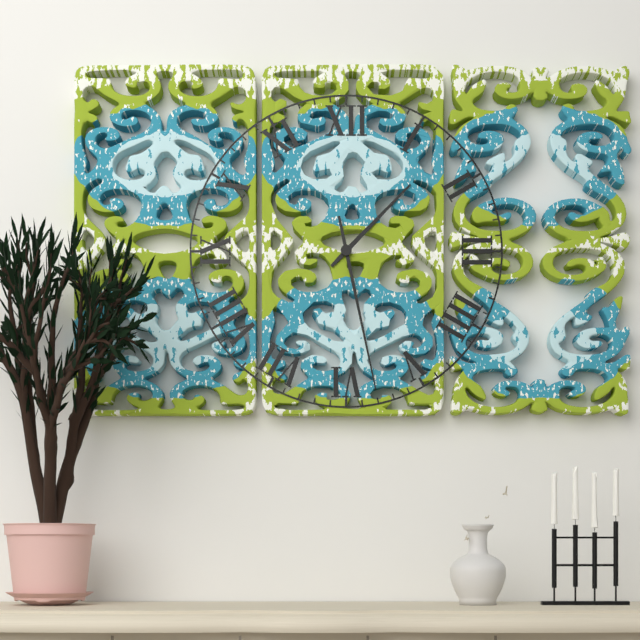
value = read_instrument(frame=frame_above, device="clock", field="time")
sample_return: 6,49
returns 1,28
